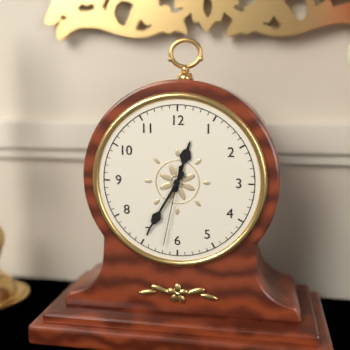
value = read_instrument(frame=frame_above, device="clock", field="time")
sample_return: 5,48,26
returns 12,35,32
